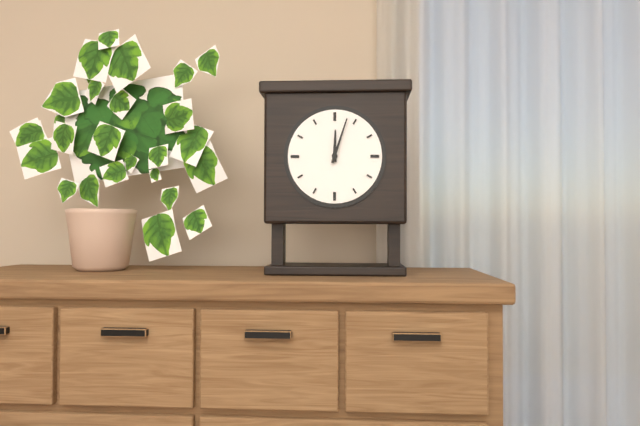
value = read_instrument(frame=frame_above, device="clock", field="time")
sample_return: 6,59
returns 12,03
